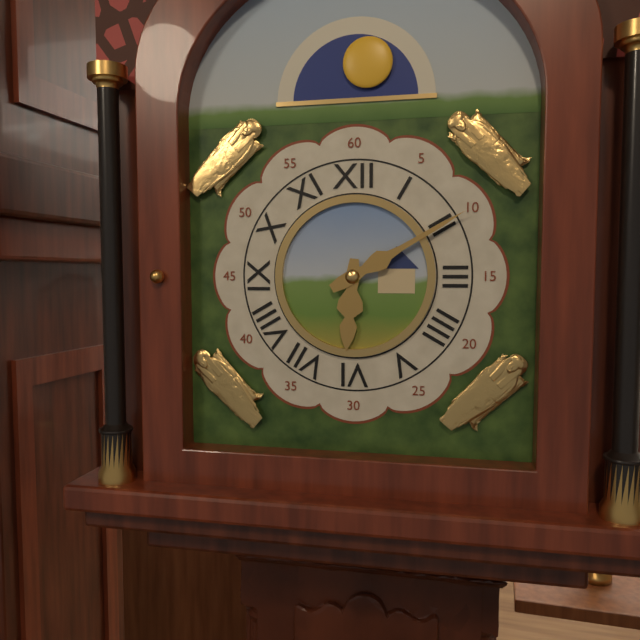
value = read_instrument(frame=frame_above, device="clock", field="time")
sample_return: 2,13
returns 6,10
